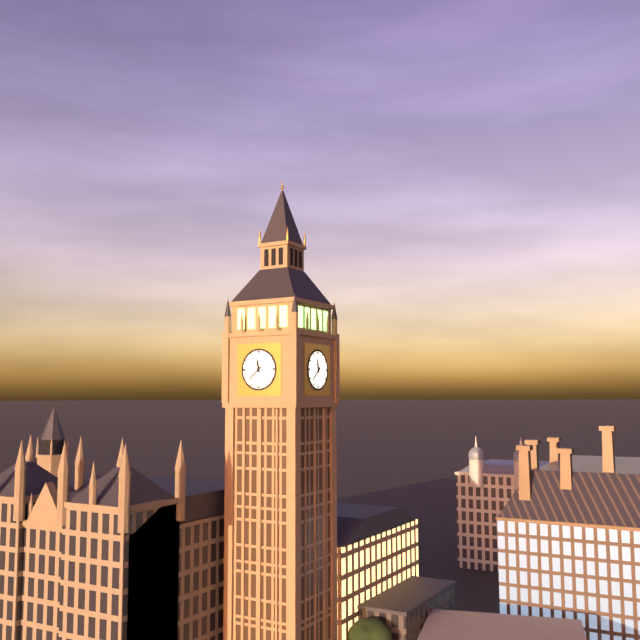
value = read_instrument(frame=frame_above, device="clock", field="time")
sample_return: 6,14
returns 11,38
